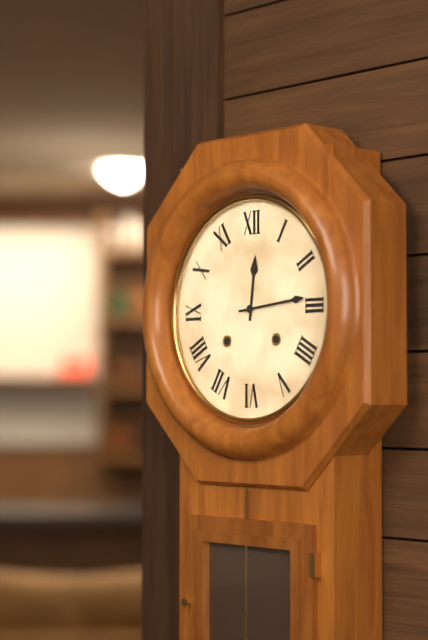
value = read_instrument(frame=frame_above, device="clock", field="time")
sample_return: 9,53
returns 12,14
